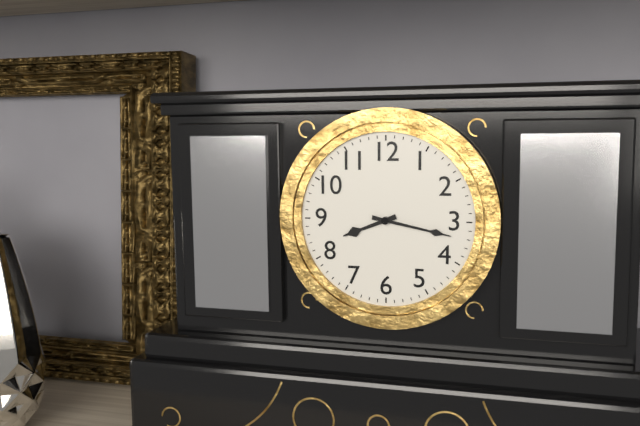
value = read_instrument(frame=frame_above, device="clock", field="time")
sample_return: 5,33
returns 8,17
